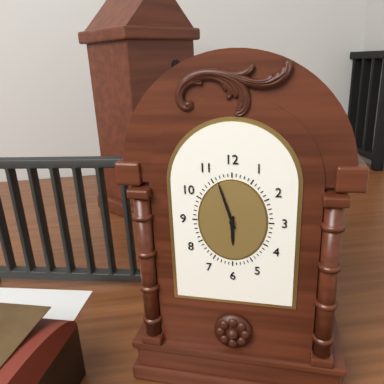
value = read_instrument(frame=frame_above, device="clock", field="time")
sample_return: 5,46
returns 5,57
